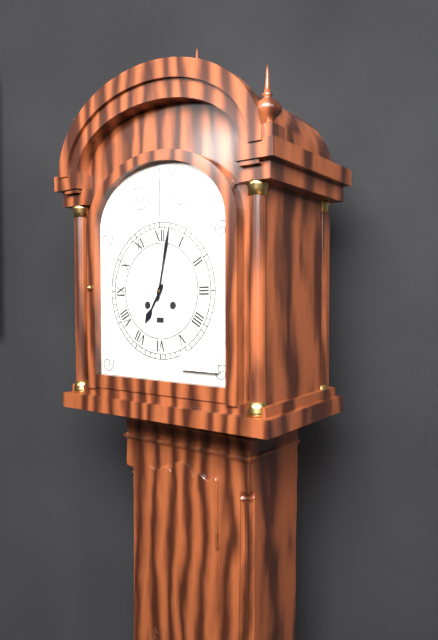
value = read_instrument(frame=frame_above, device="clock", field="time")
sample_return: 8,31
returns 7,02
